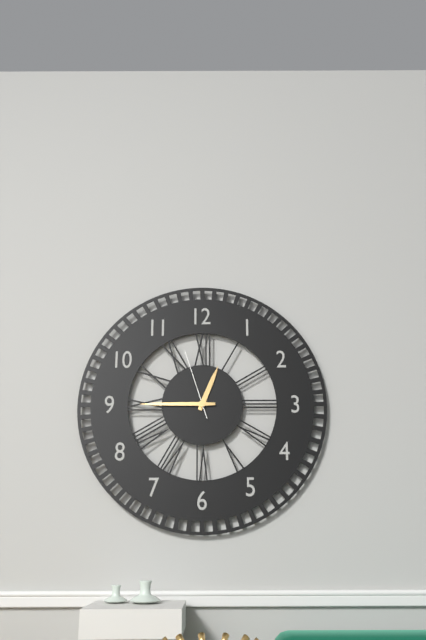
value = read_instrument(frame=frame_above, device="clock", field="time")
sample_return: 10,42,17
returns 12,45,57
